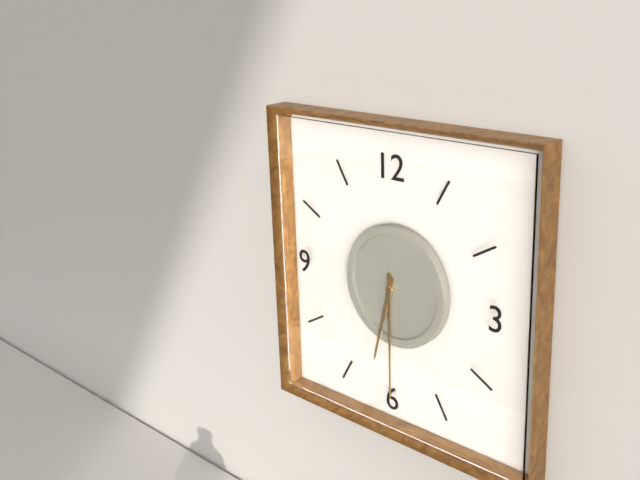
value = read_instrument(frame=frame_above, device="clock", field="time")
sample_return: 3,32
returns 6,30
